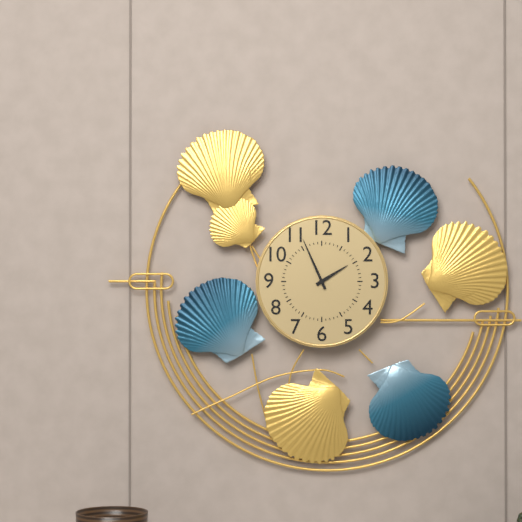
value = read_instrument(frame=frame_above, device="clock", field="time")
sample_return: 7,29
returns 1,56
